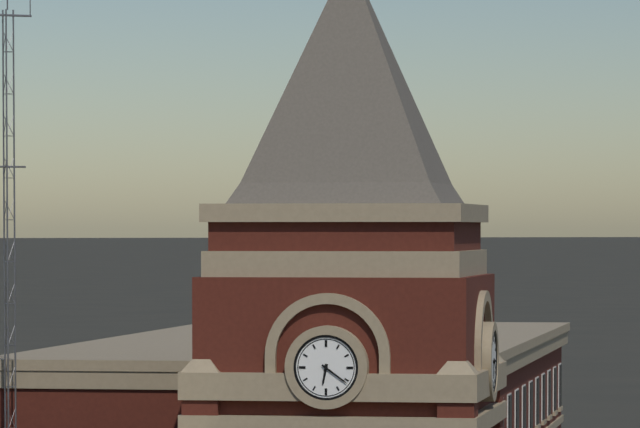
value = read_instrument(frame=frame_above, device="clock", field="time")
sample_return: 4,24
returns 6,21
